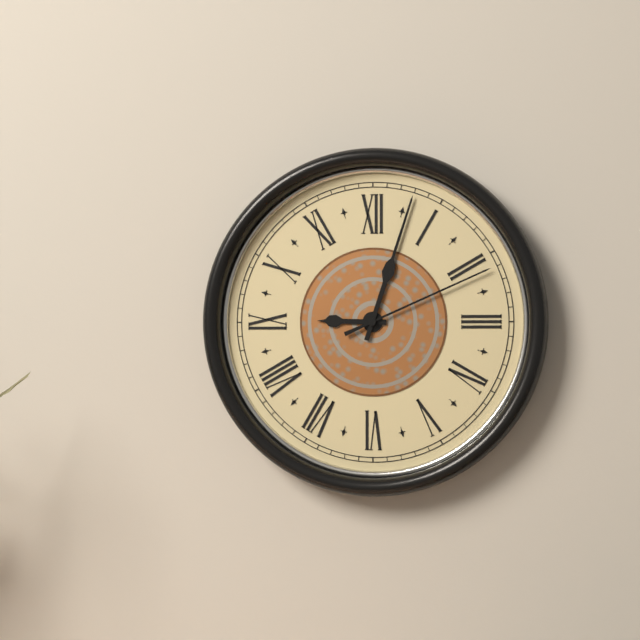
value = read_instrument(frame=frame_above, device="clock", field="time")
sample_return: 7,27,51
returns 9,03,11
